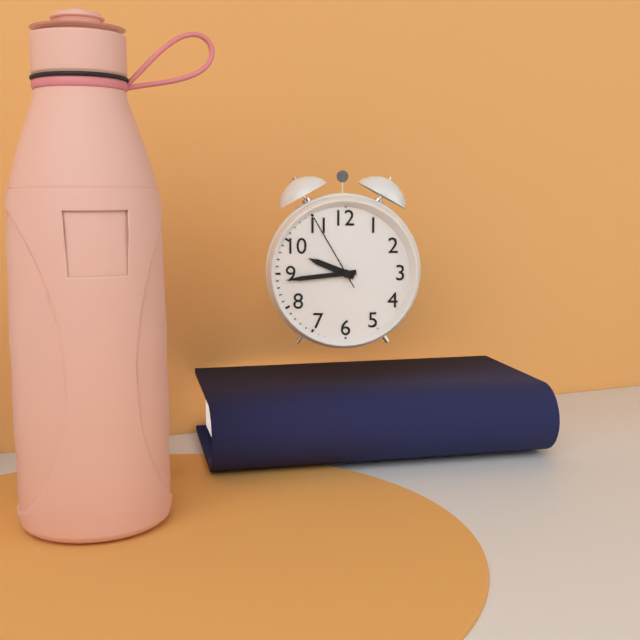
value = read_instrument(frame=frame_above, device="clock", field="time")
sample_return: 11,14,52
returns 9,44,55
